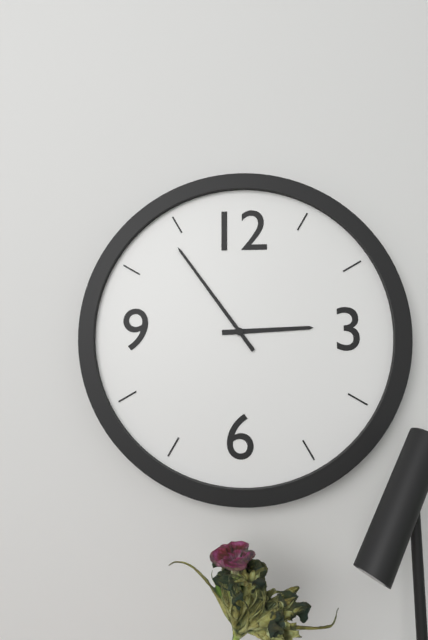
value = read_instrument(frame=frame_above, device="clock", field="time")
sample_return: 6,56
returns 2,54
